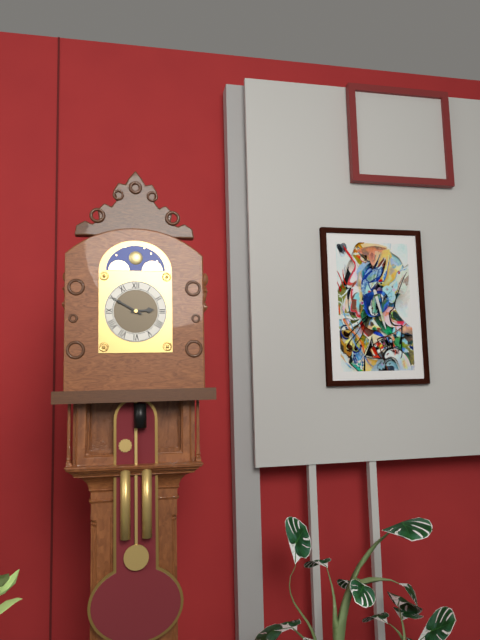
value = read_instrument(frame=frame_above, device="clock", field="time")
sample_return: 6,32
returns 2,50
